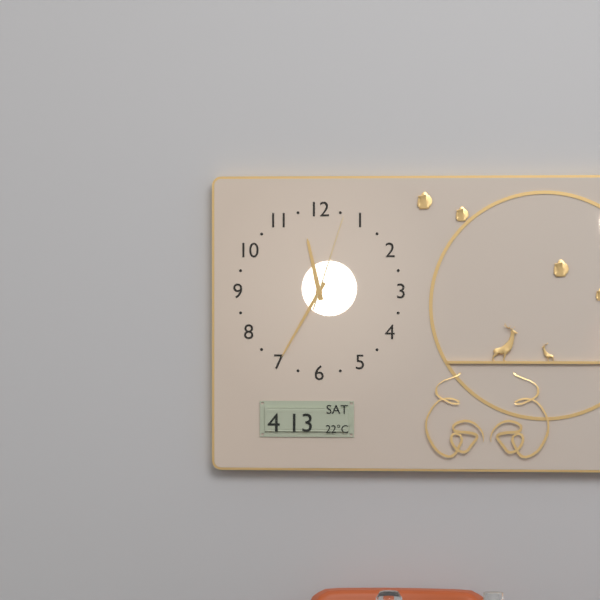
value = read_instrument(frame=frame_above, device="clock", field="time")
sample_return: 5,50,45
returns 11,35,03
